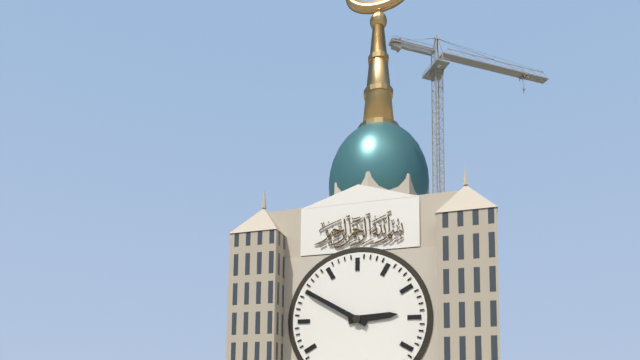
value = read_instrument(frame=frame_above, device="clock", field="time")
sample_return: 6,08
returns 2,50
